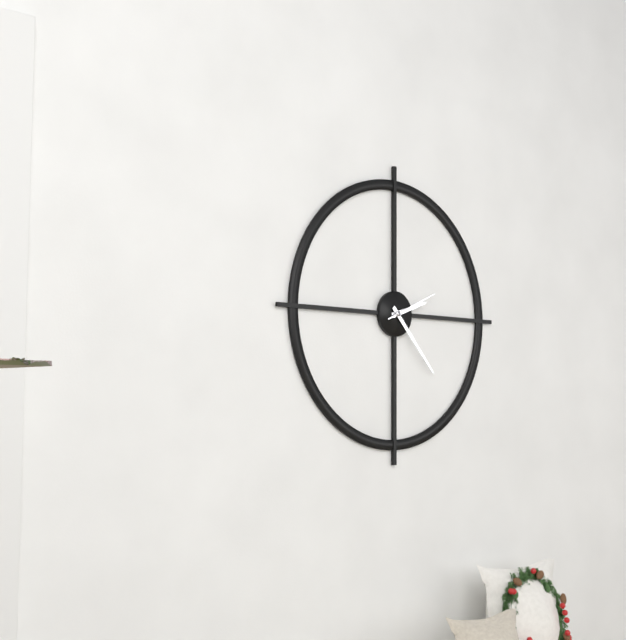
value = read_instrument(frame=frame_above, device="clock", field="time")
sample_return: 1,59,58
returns 2,23,11
